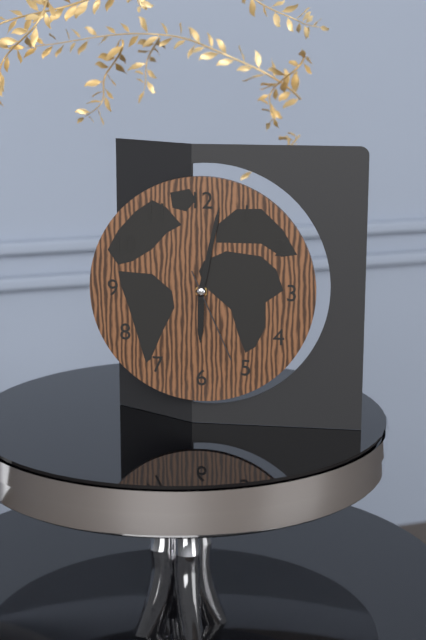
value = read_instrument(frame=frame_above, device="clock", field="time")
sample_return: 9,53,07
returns 6,02,26
